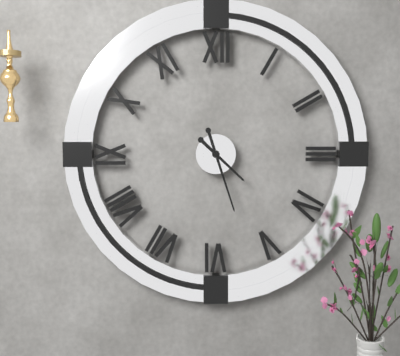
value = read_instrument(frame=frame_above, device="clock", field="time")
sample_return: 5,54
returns 4,27
